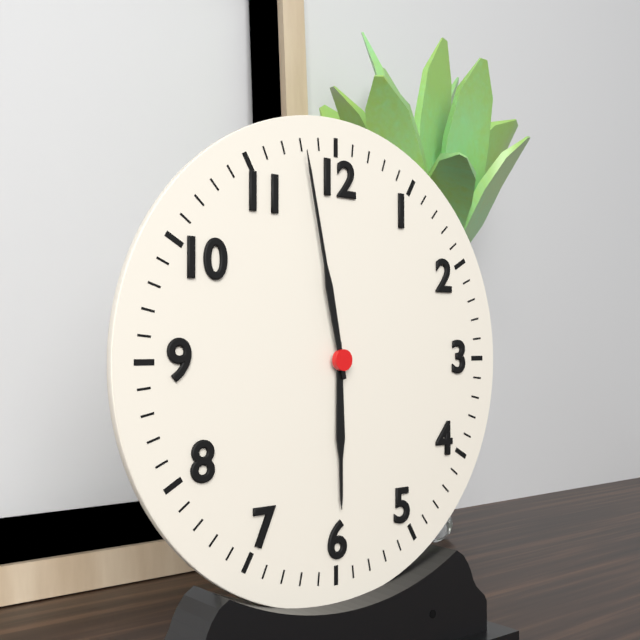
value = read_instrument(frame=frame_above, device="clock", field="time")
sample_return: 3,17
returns 5,58
